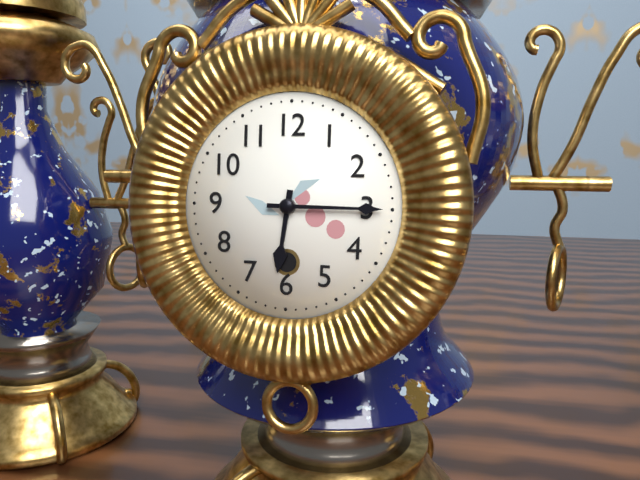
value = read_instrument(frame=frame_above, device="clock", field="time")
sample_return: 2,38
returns 6,15
